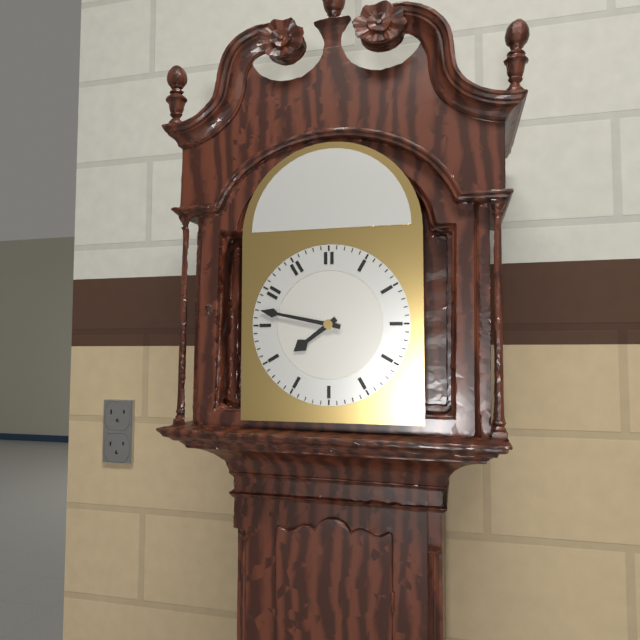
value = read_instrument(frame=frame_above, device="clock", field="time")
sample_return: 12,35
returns 7,47
